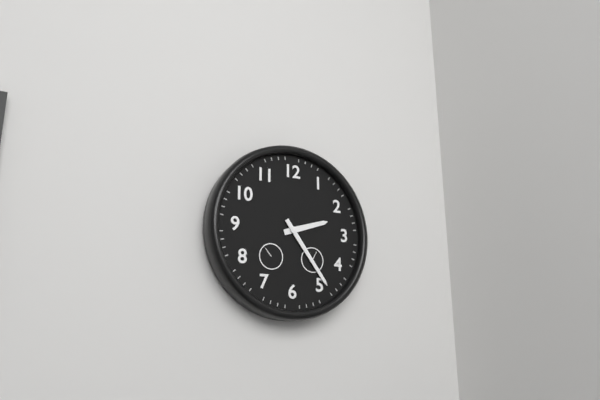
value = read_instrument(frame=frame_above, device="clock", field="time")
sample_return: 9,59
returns 2,24
